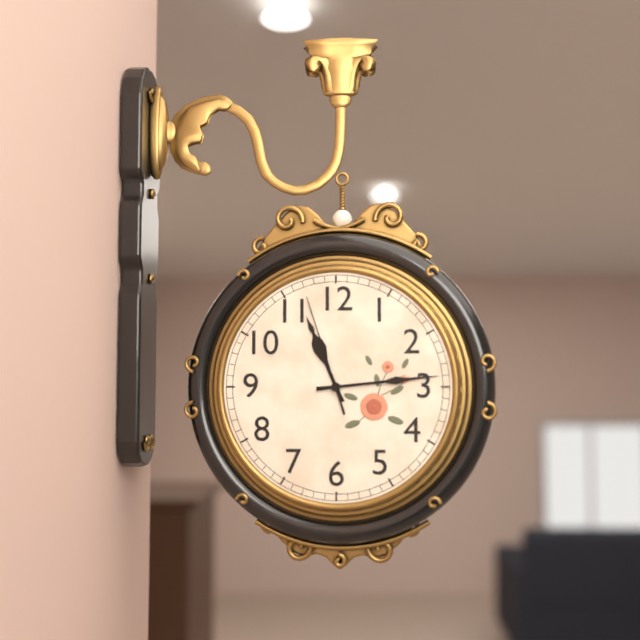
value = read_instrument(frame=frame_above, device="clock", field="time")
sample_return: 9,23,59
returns 11,14,57
